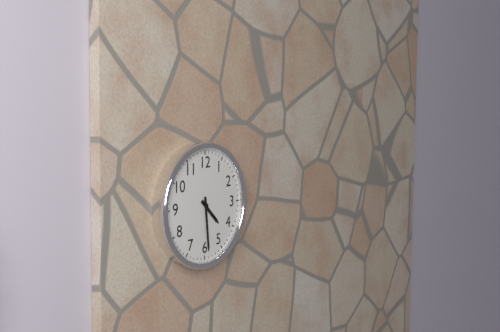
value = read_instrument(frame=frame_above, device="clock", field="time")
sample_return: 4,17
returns 4,29
